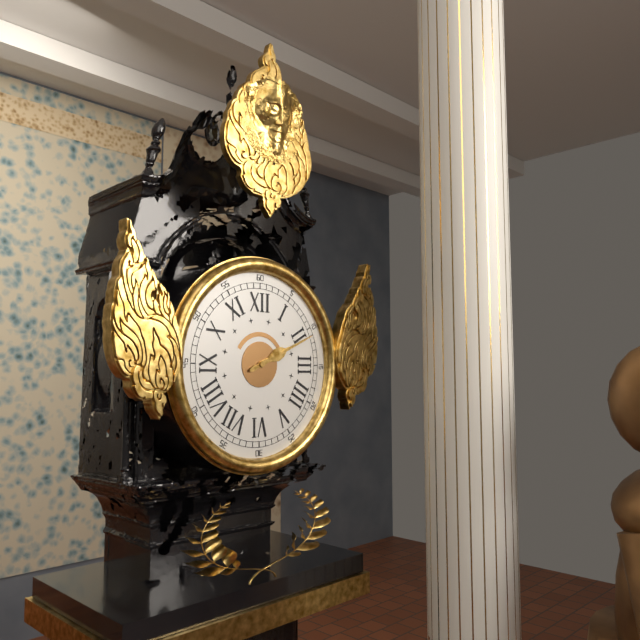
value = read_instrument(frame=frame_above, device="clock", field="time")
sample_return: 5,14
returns 2,11
